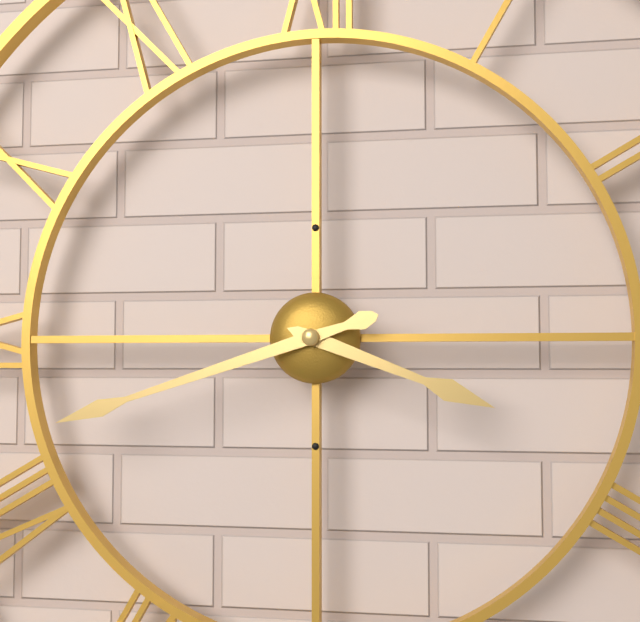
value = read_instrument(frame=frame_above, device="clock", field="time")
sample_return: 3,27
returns 3,42
